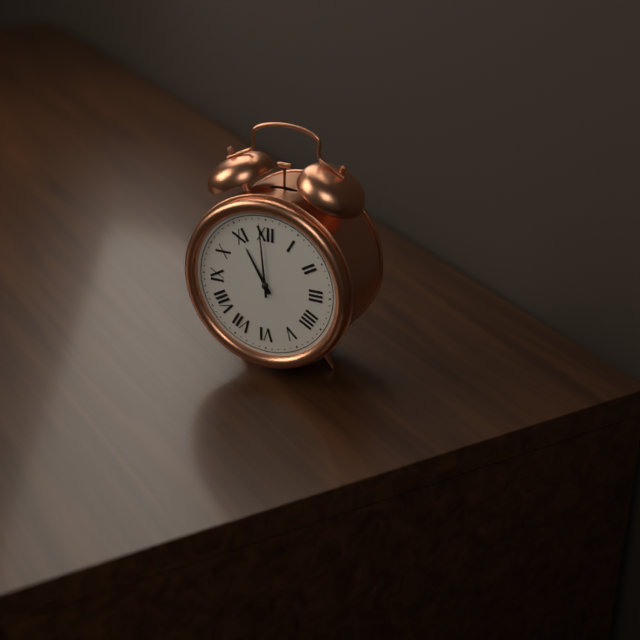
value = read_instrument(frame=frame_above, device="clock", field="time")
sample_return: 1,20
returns 10,59
